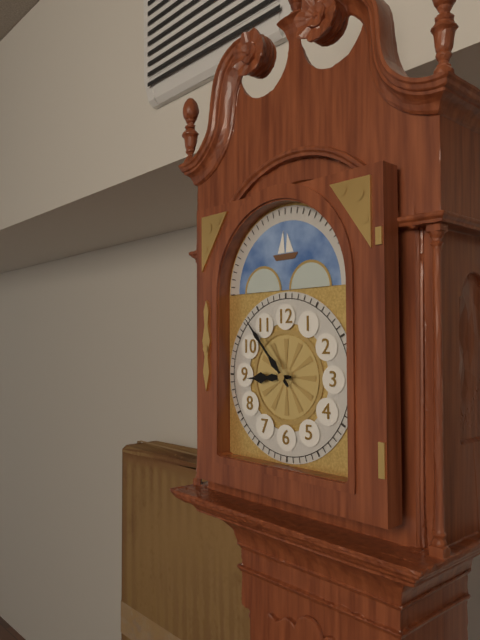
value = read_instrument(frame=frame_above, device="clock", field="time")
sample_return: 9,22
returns 8,53
